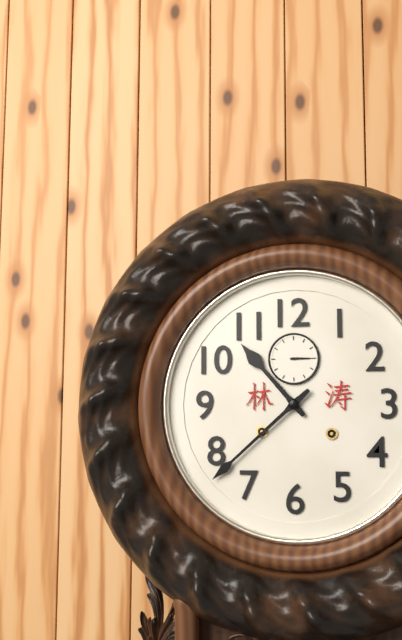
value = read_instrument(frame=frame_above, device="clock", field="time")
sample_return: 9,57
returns 10,38
